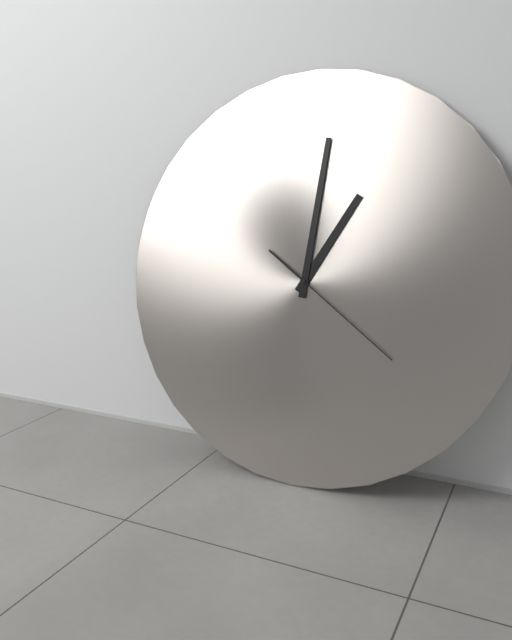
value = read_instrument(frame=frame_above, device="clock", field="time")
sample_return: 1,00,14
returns 1,01,21
